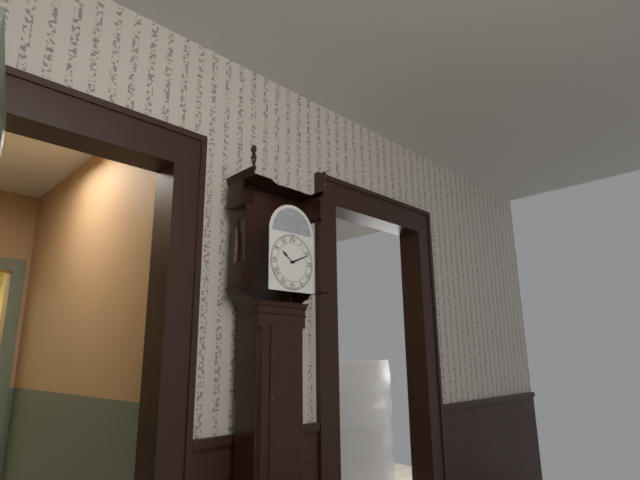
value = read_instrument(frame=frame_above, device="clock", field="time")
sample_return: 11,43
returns 10,11
